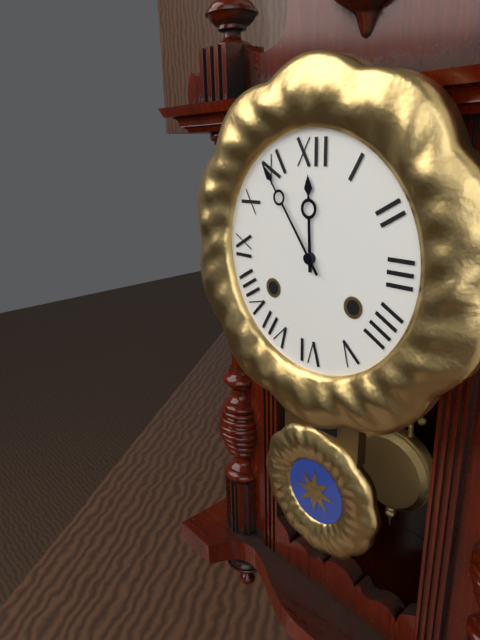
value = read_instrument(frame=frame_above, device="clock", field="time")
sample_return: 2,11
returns 11,54
